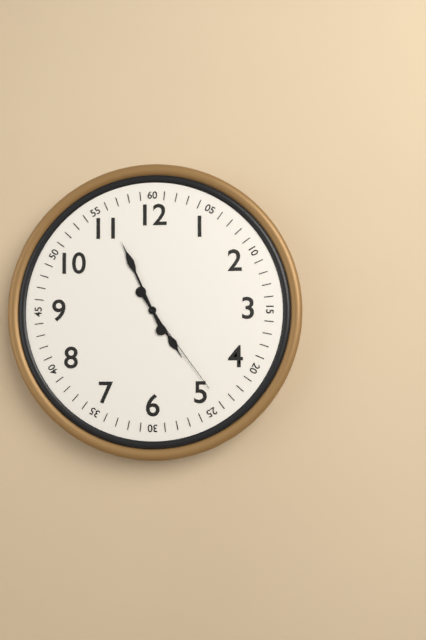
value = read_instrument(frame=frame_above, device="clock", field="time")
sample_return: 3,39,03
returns 4,56,24
